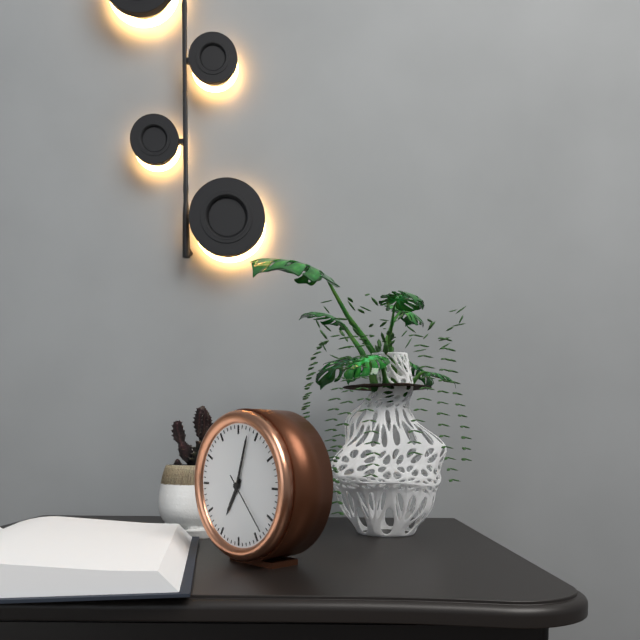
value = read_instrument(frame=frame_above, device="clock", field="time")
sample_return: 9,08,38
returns 7,03,23
